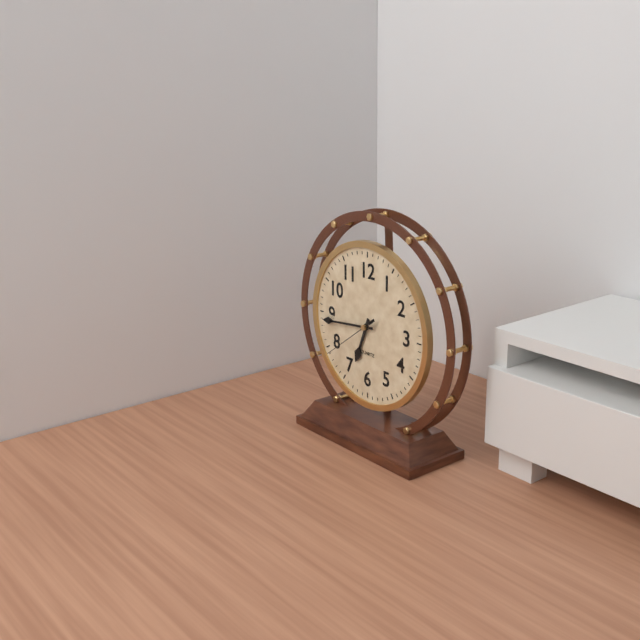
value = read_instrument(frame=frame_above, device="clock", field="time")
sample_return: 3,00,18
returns 6,44,39
